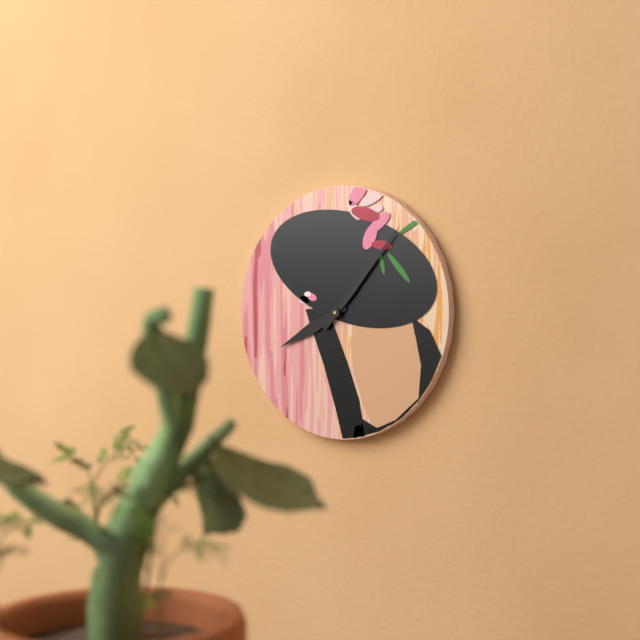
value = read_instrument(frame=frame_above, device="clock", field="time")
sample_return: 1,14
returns 8,07
